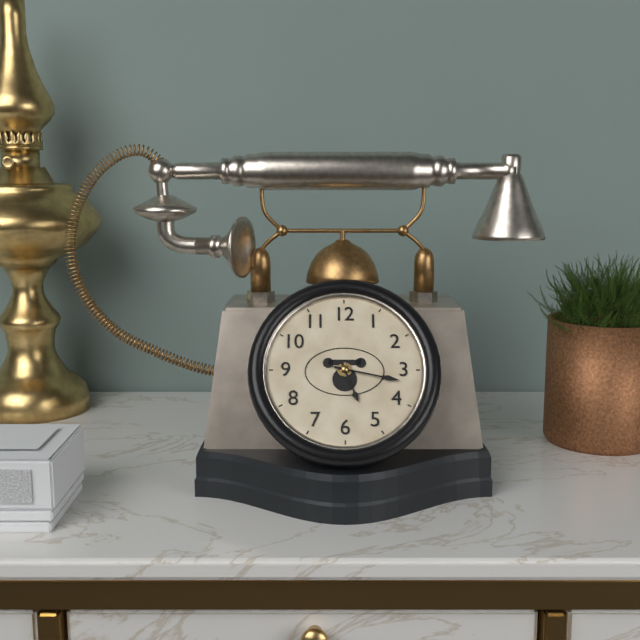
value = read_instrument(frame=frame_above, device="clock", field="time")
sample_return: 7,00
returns 5,17
